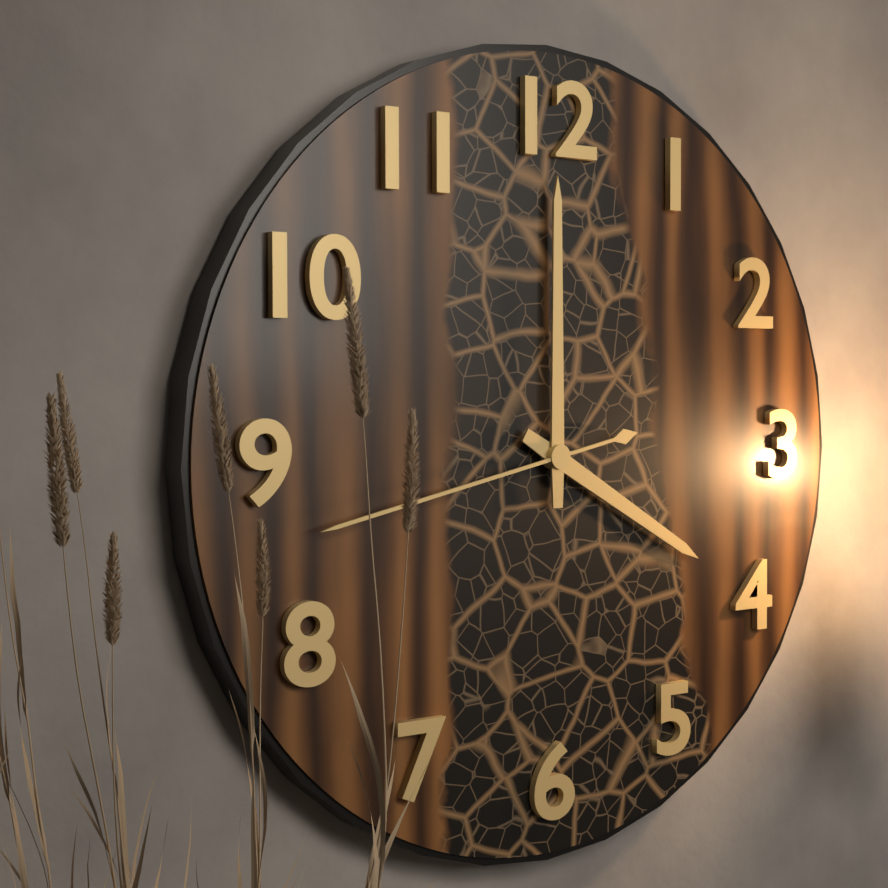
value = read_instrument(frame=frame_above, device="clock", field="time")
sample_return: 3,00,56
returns 4,00,43
